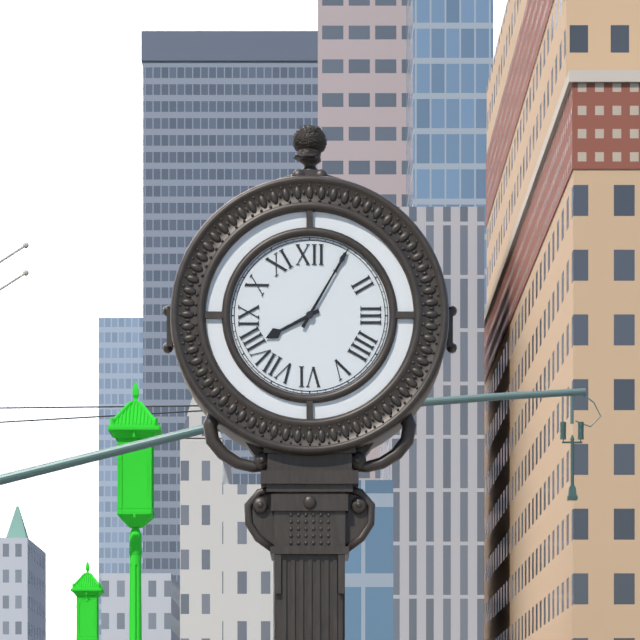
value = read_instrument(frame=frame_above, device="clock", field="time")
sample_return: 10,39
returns 8,05
